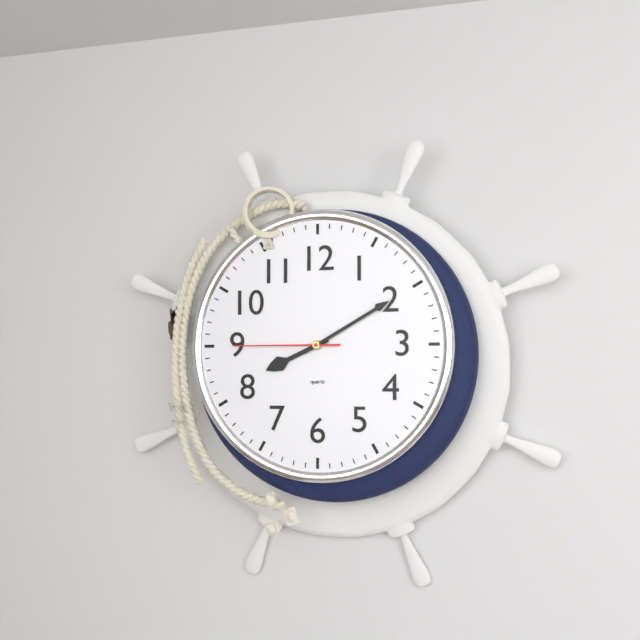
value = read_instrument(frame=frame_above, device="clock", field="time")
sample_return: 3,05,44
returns 8,10,45
